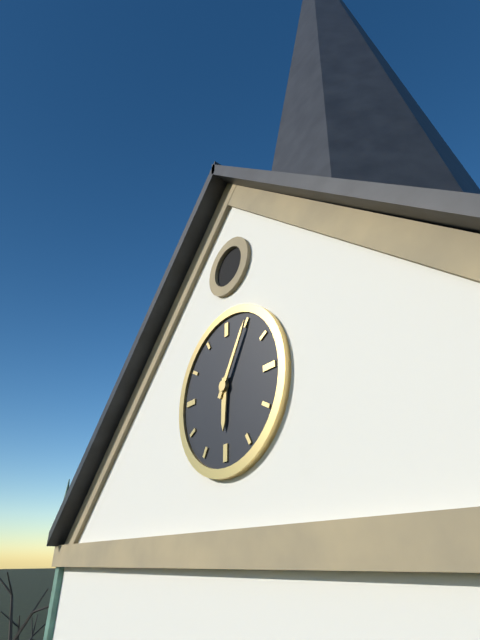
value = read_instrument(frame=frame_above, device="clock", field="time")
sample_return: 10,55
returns 6,05
